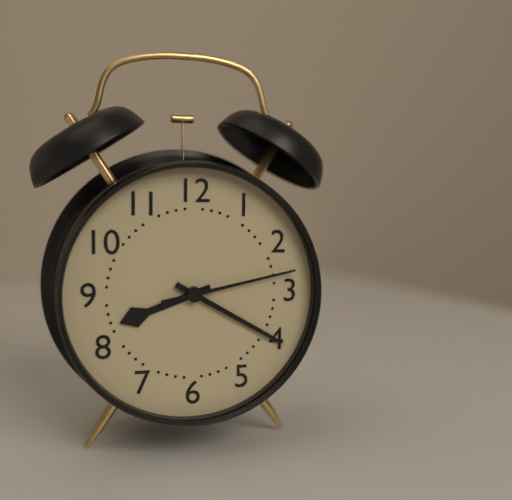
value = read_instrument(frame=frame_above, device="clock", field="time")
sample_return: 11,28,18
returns 8,20,13
